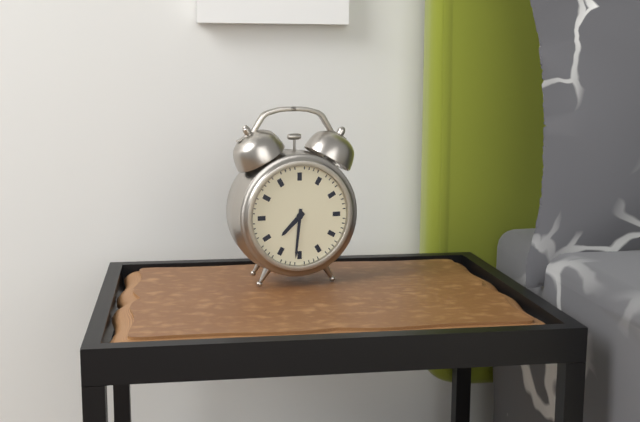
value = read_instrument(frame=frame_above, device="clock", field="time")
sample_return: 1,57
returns 7,31
